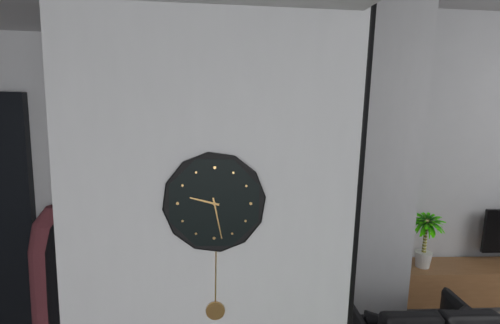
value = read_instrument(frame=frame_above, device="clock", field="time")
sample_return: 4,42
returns 9,28
